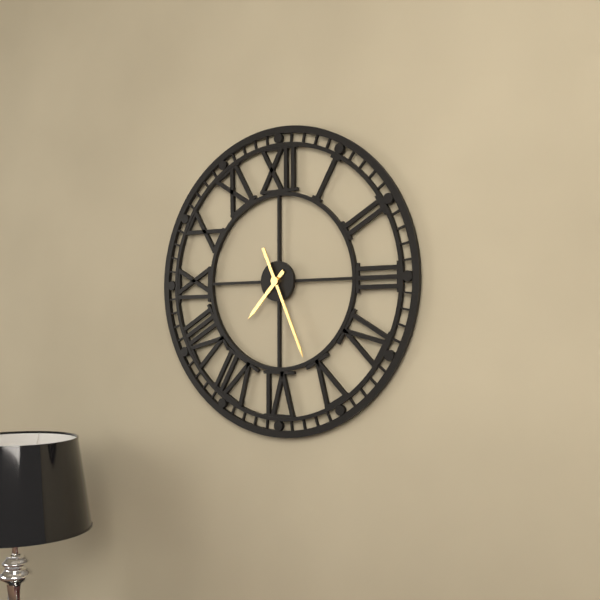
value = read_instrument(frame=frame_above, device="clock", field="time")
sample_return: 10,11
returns 7,26
